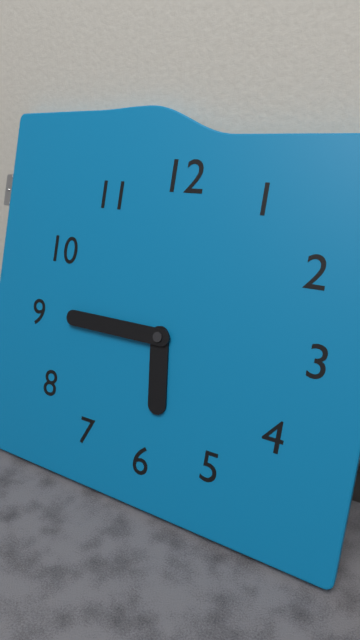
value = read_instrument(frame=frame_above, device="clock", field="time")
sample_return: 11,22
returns 5,45
